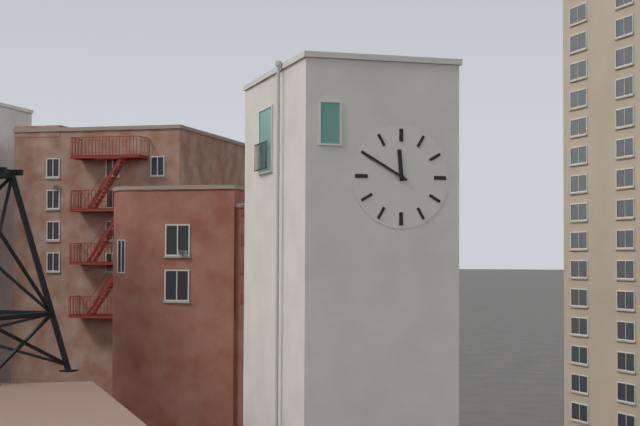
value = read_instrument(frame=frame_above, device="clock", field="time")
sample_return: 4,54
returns 11,50
